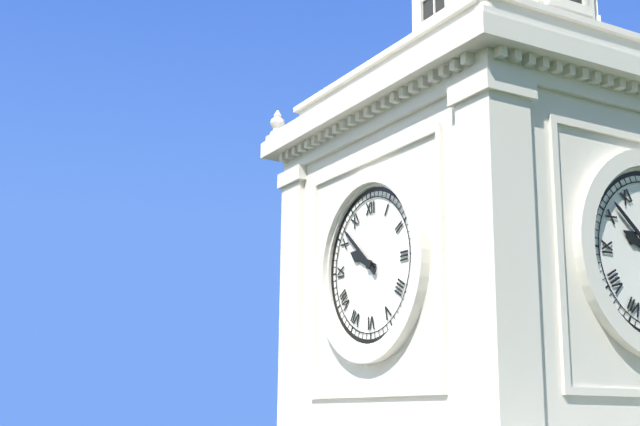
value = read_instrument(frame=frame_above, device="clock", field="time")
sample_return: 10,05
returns 9,52
